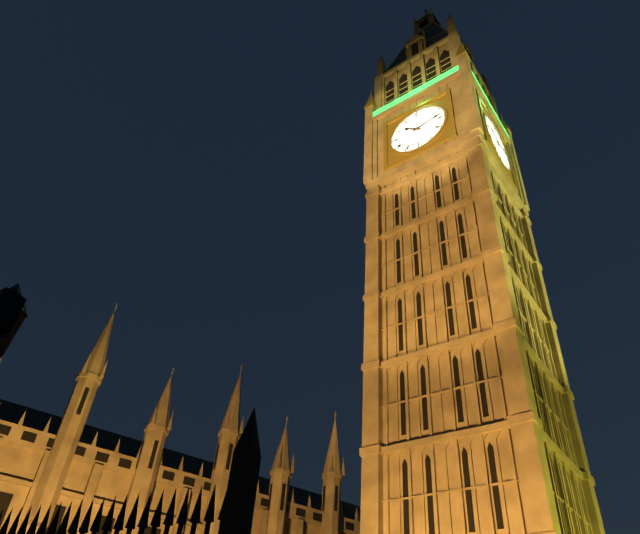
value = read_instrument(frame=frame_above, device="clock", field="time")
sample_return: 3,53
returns 10,13
